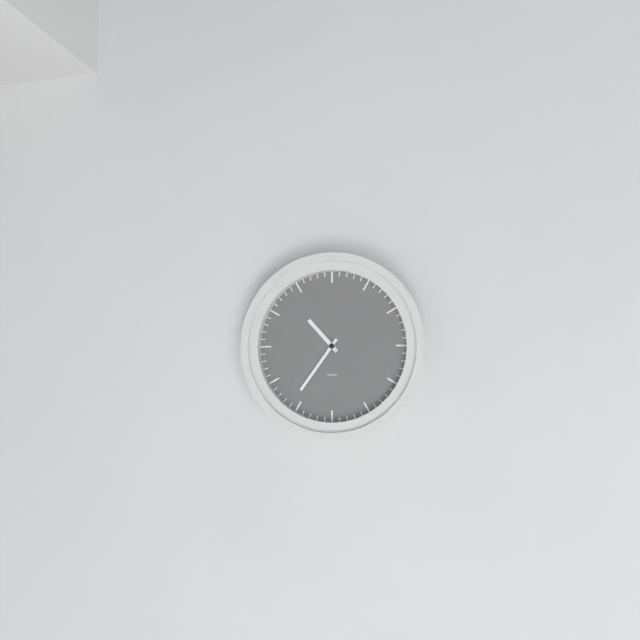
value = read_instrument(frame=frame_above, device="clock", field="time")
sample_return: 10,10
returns 10,36
